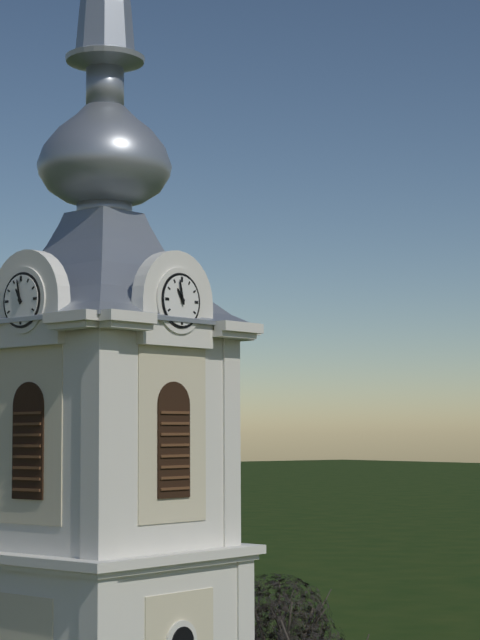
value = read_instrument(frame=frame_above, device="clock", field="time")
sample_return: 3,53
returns 10,58
